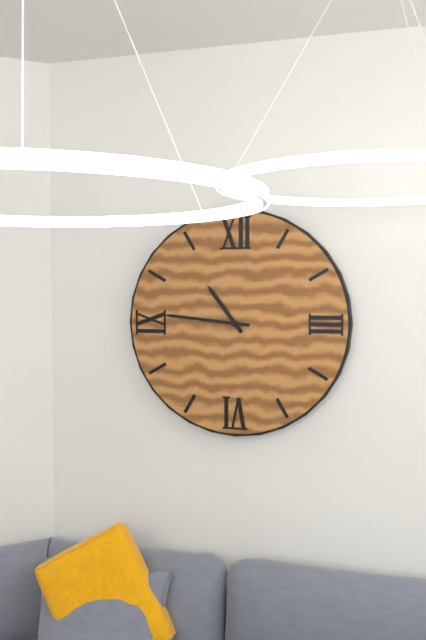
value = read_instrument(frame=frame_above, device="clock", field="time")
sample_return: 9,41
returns 10,46
